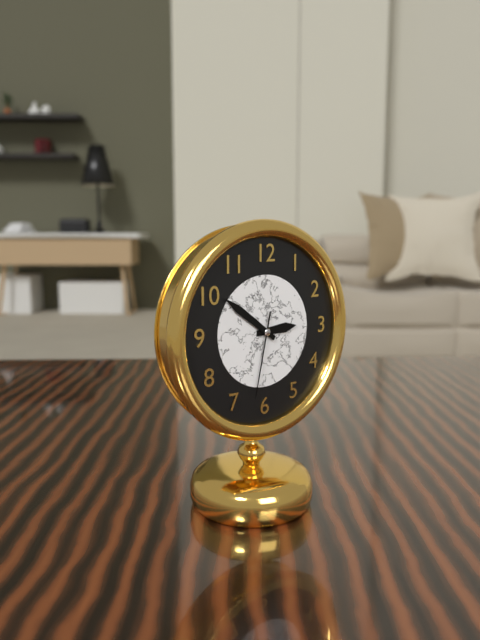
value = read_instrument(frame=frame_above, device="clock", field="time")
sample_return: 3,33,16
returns 2,51,32
